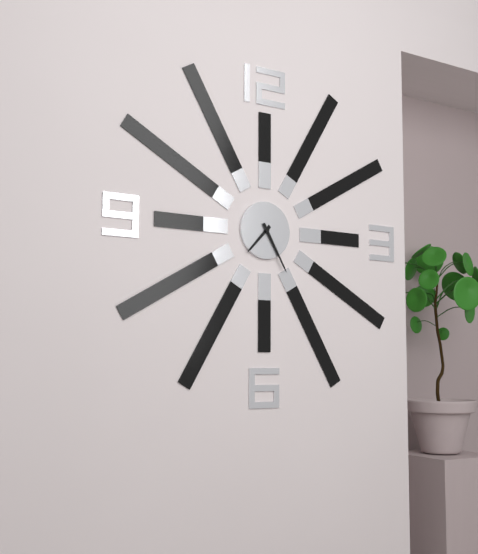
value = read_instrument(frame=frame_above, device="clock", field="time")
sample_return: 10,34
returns 7,25
